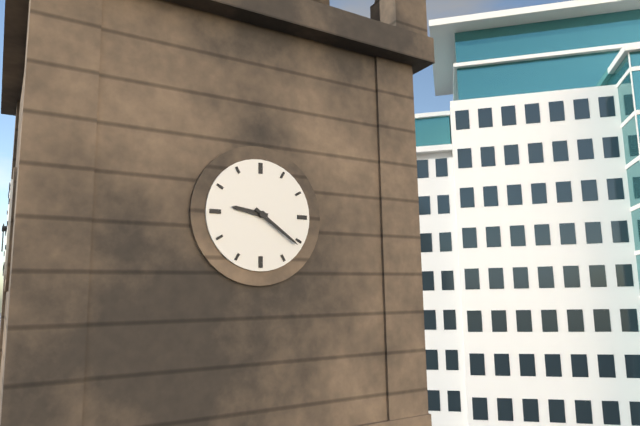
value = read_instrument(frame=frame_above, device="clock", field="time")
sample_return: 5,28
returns 9,21
